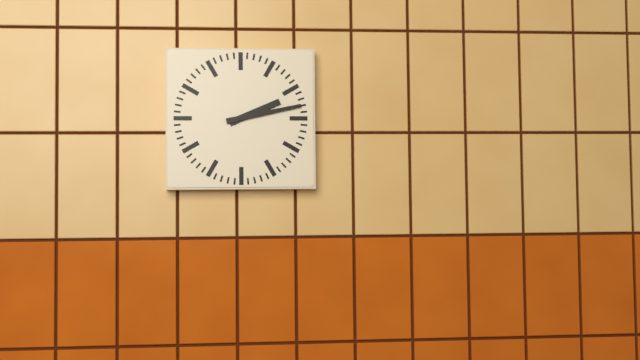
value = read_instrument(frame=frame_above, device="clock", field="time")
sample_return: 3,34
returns 2,13
